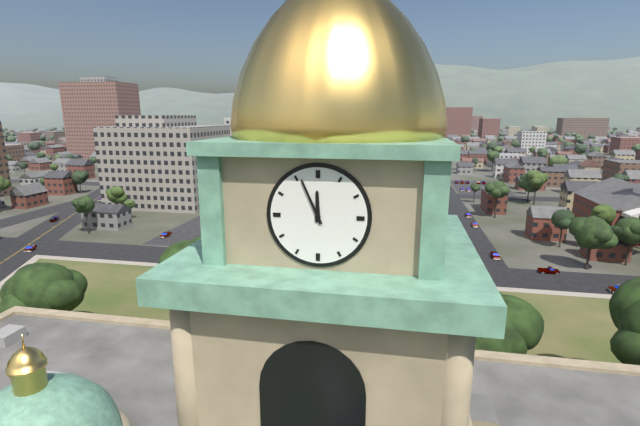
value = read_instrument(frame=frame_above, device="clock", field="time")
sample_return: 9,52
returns 11,56
